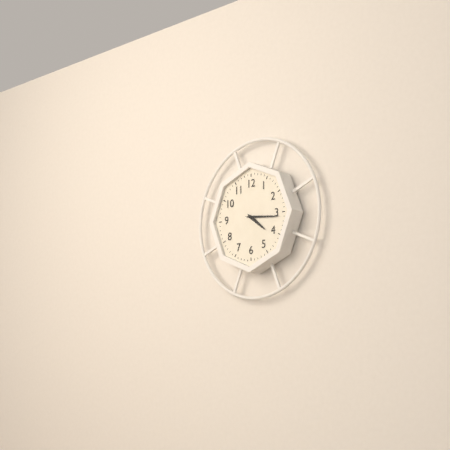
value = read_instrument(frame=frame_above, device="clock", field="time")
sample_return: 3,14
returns 4,16
